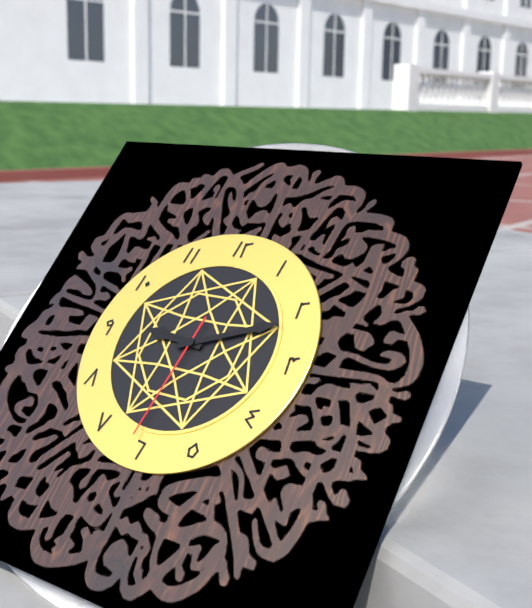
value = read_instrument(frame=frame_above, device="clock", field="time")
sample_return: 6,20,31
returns 9,11,31
